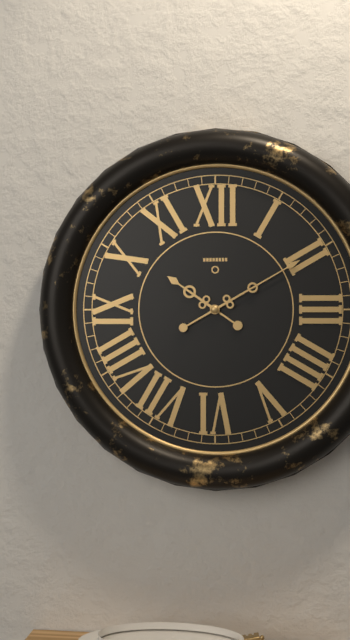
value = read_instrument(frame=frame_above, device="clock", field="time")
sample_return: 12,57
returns 10,10
